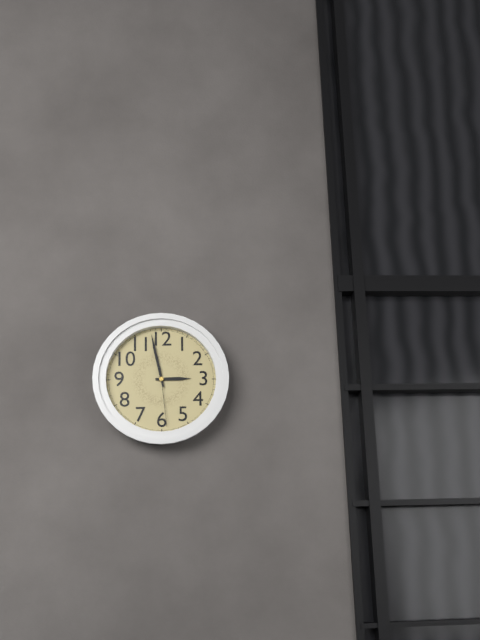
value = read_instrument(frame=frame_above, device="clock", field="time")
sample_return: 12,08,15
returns 2,58,29
